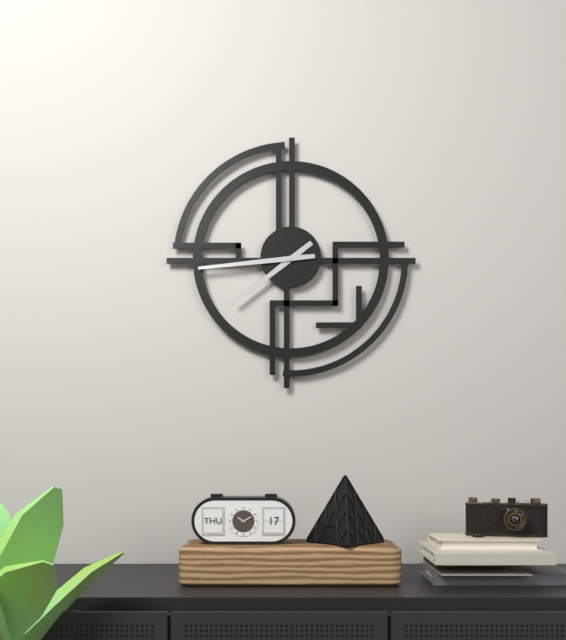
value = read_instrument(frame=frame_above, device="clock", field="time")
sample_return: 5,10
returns 7,44
